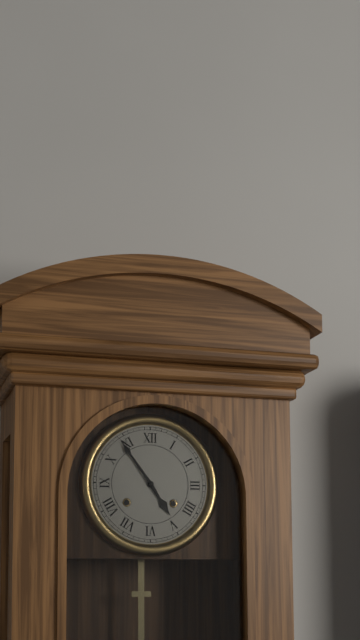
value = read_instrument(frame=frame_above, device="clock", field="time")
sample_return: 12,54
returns 4,54
